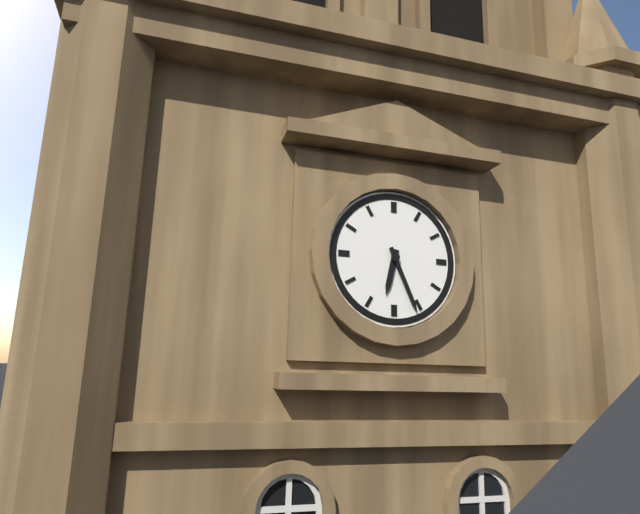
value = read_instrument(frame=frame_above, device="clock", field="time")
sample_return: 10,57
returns 6,26
